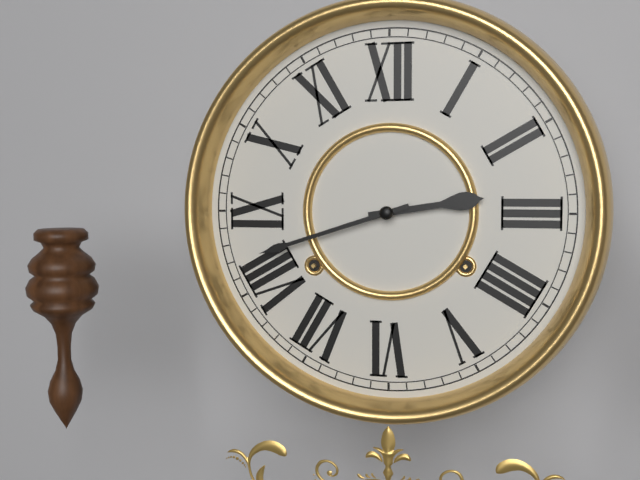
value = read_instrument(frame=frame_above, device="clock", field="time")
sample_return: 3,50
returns 2,42
